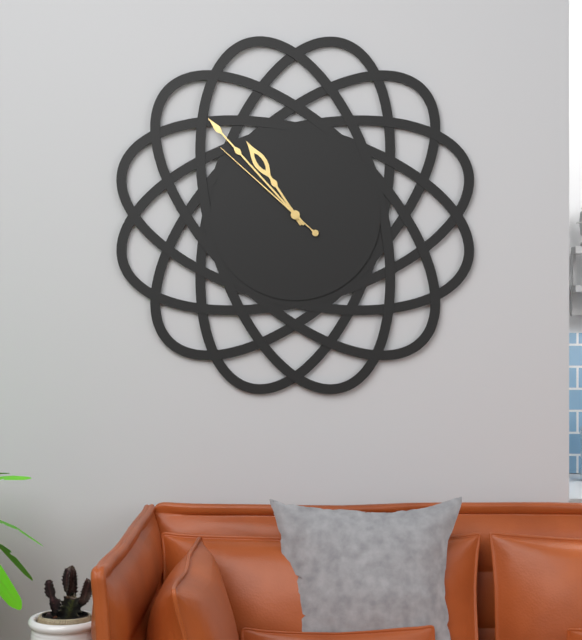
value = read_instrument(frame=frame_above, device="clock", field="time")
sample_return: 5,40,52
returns 10,53,52
